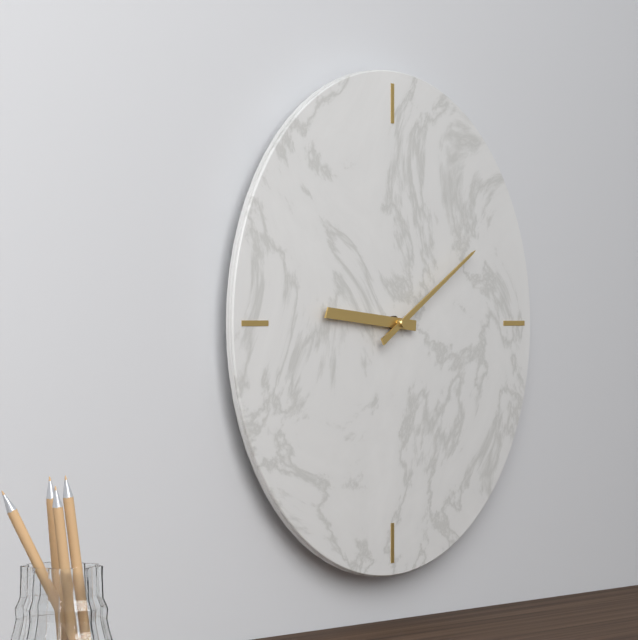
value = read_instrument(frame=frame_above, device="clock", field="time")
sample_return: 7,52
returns 9,10
